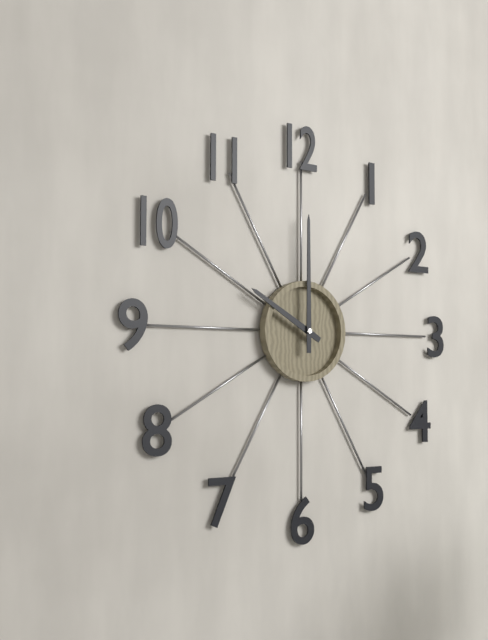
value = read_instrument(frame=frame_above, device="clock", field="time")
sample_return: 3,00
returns 10,00
